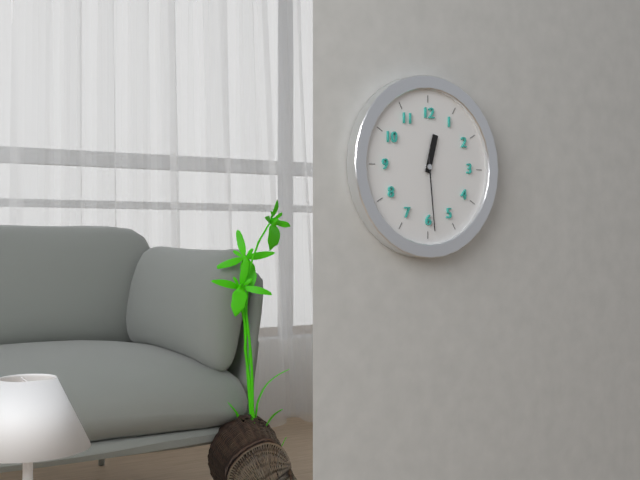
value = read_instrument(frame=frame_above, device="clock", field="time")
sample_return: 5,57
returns 12,29
